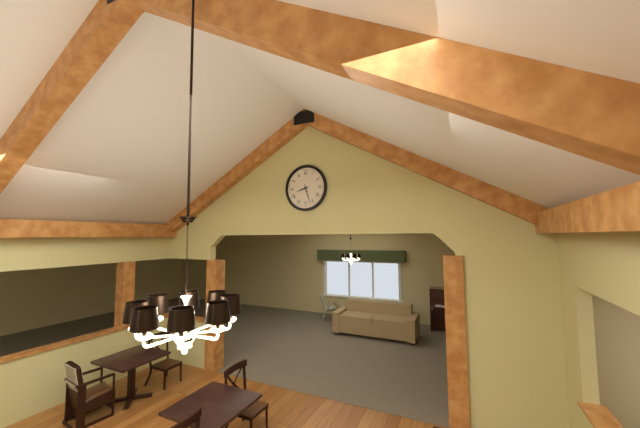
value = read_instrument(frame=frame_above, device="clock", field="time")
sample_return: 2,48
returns 8,27
